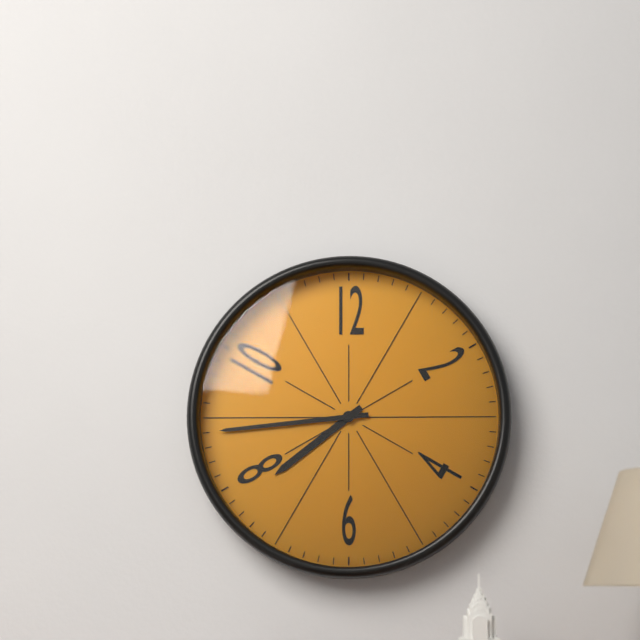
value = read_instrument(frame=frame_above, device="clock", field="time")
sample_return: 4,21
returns 7,44
